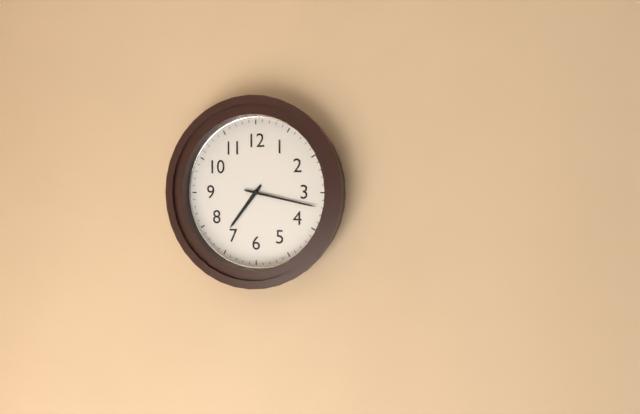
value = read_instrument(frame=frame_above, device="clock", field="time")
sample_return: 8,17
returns 7,17
